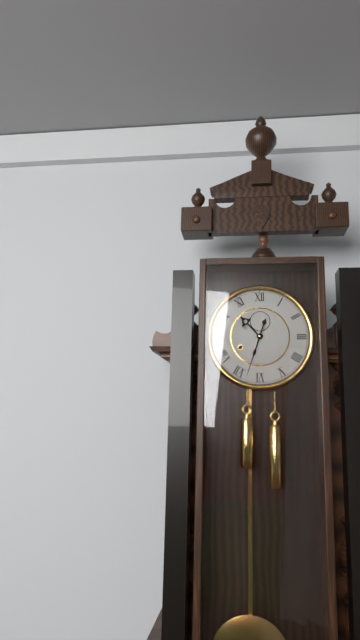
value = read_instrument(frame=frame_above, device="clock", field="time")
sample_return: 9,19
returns 10,33
